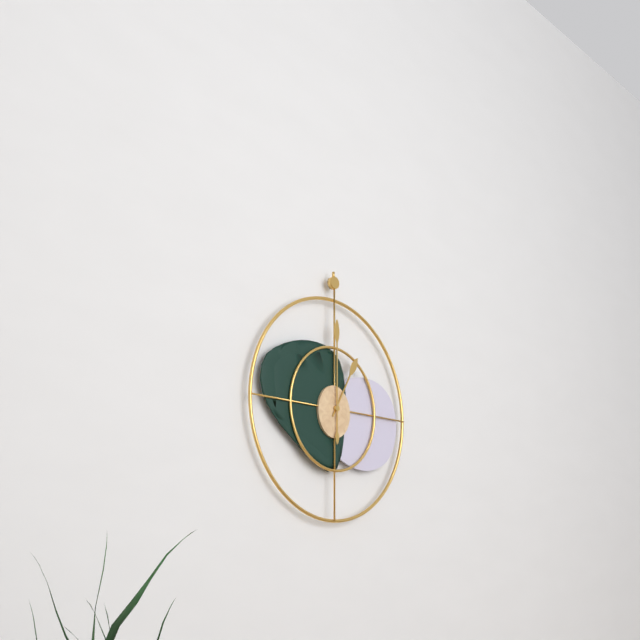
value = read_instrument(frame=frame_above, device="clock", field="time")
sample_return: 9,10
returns 1,00
